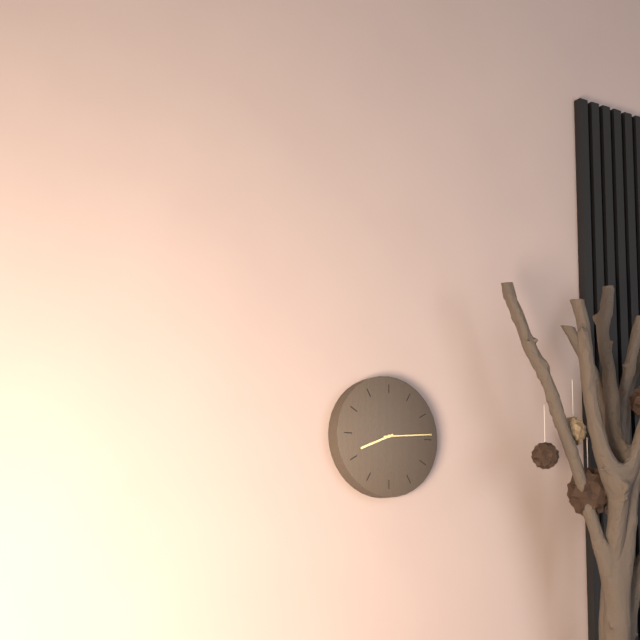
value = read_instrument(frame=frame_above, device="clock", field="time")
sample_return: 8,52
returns 8,14
